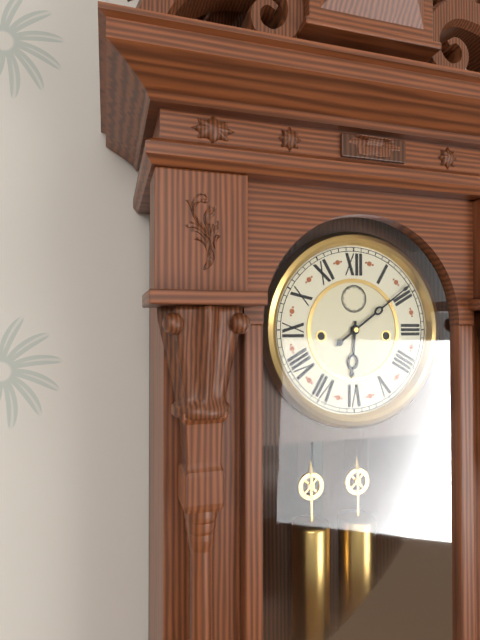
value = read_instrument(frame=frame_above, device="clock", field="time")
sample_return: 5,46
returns 6,09
